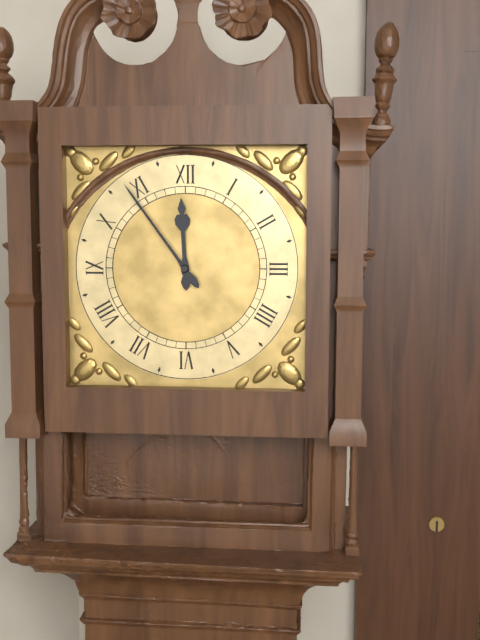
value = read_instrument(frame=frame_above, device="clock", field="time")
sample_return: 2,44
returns 11,54
